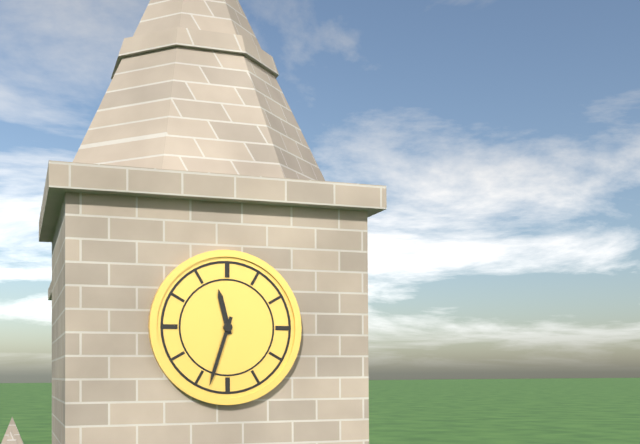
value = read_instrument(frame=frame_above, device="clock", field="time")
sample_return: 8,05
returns 11,33
